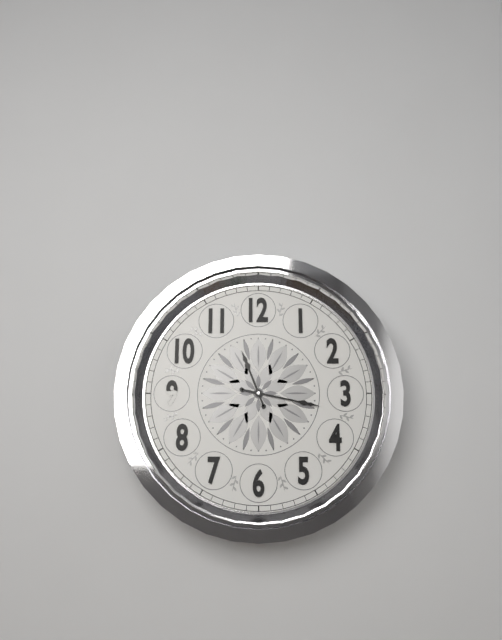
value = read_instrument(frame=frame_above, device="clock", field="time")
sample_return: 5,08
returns 11,17
